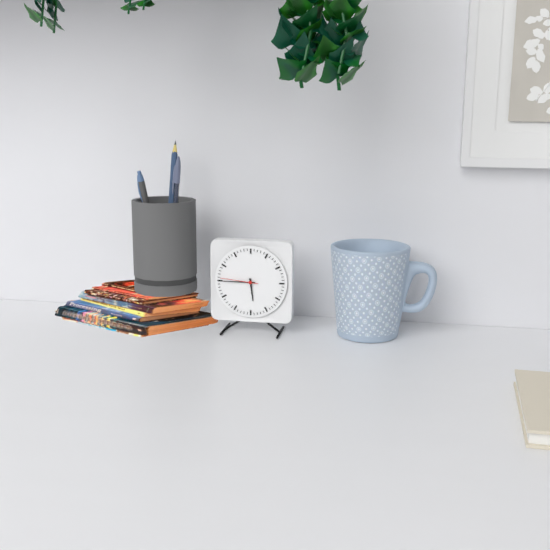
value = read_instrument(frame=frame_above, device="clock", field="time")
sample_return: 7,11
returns 5,45
